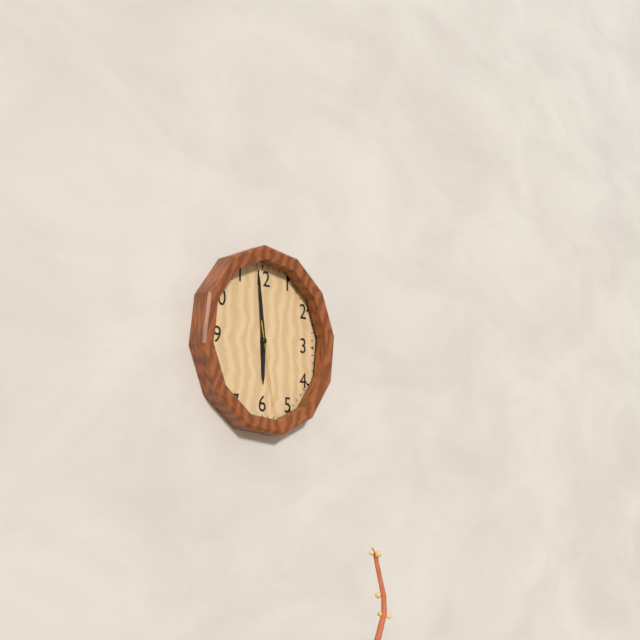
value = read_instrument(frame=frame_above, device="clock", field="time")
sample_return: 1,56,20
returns 5,59,28
